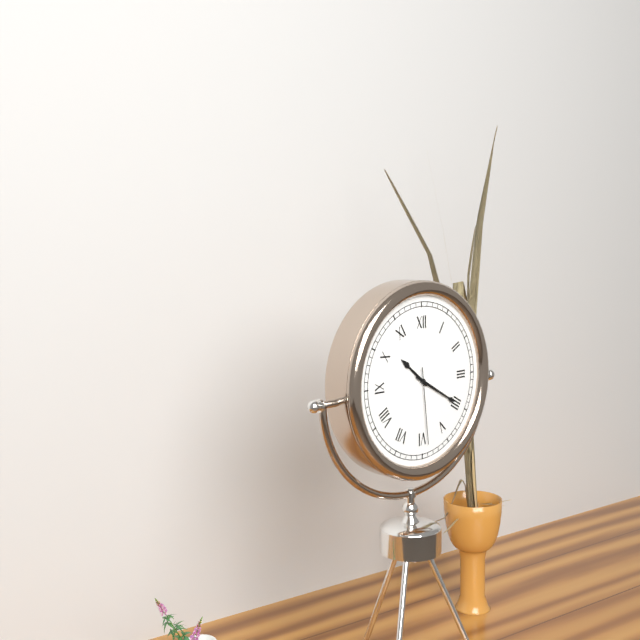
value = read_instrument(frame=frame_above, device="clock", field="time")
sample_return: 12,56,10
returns 10,20,29
